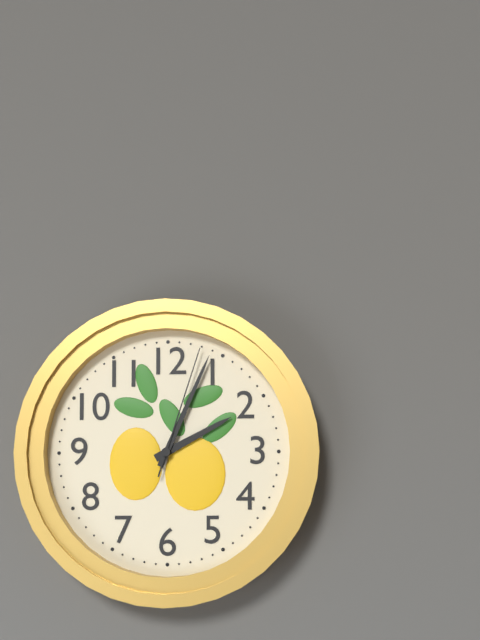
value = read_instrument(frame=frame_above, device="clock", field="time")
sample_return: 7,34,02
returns 2,04,03
